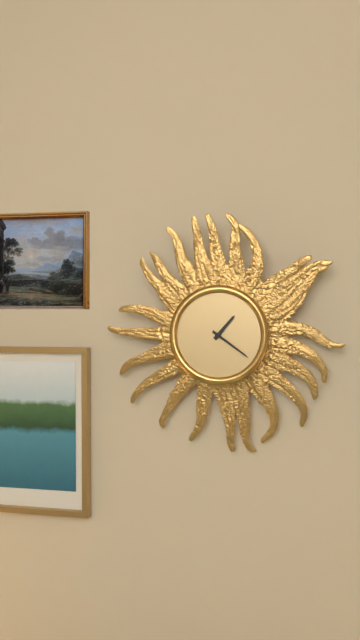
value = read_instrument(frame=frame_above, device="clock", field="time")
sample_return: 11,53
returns 1,21
